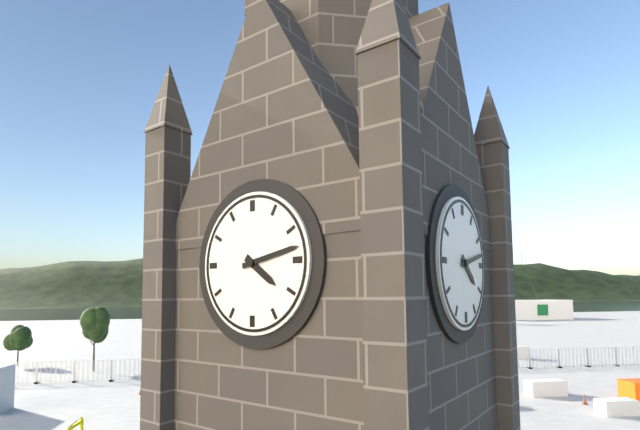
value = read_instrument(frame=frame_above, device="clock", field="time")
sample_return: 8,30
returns 4,13
